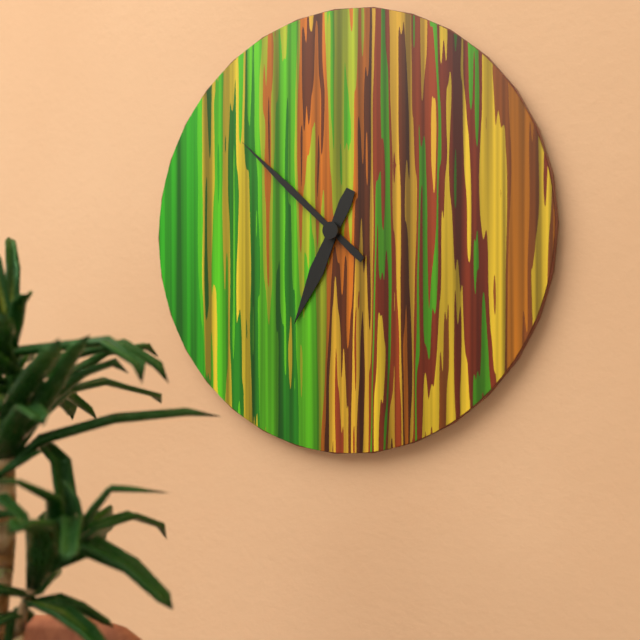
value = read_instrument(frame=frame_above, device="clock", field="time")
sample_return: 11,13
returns 6,52
